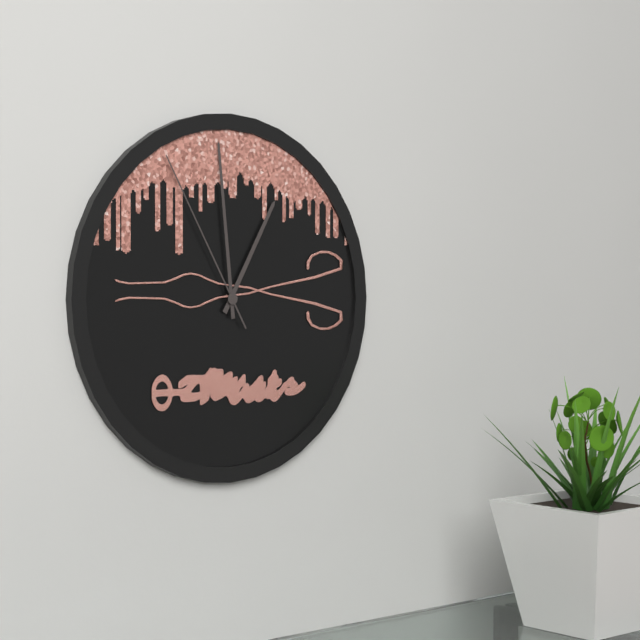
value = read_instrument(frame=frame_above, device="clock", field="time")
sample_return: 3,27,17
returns 12,59,55
